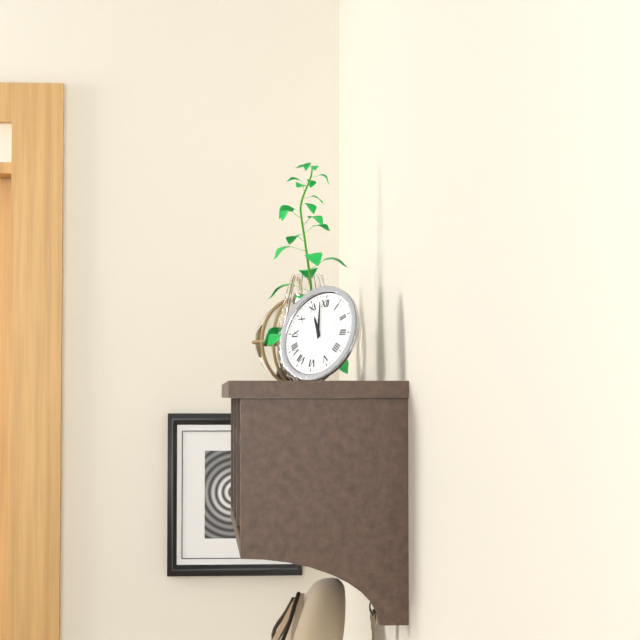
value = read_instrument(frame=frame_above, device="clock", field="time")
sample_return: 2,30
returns 10,58
